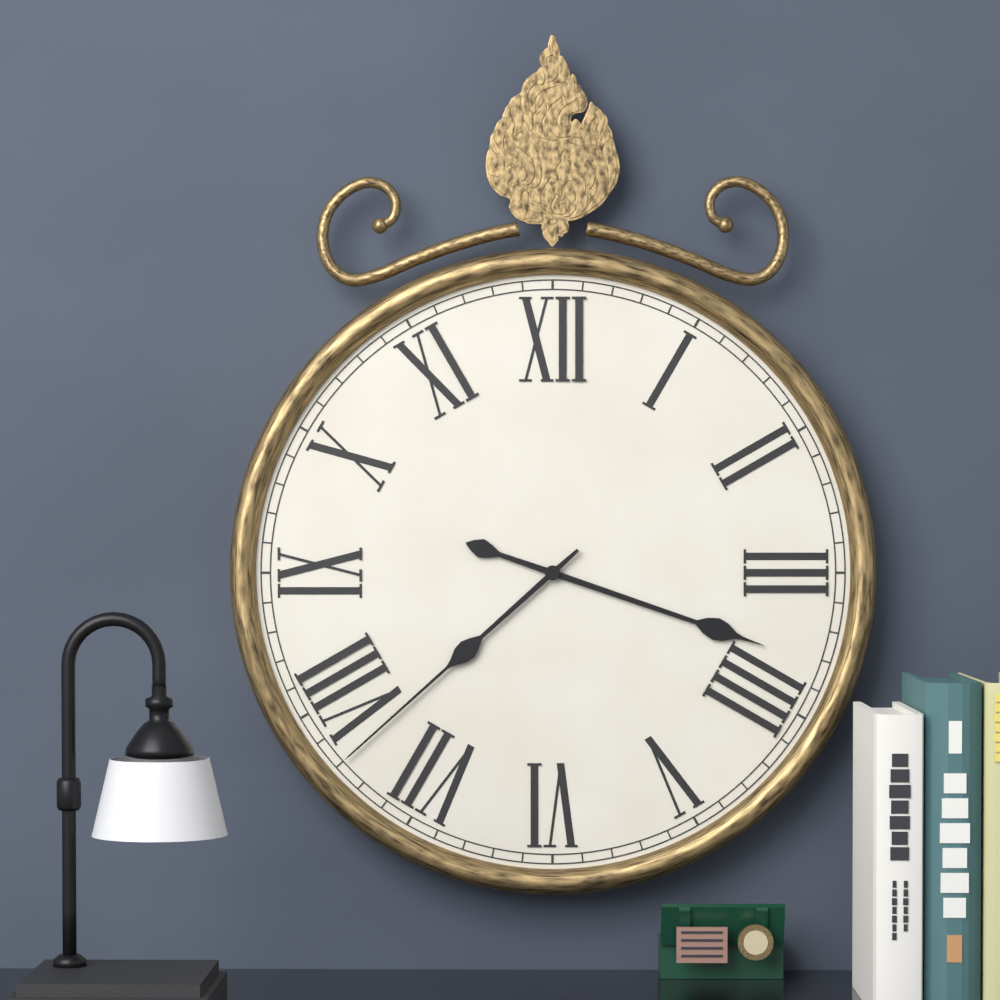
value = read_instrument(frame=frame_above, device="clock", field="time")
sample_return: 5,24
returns 3,38
